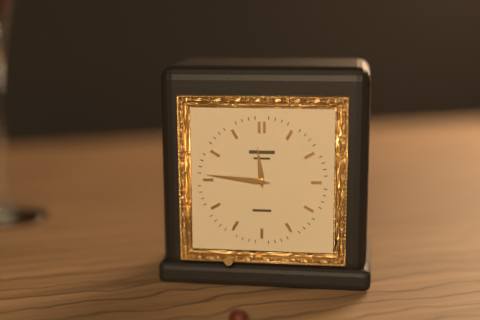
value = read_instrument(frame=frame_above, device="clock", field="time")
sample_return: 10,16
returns 11,46
